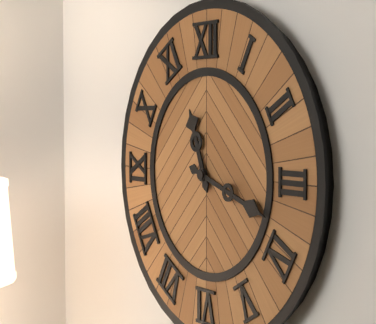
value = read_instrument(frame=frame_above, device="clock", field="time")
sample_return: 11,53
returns 11,18
